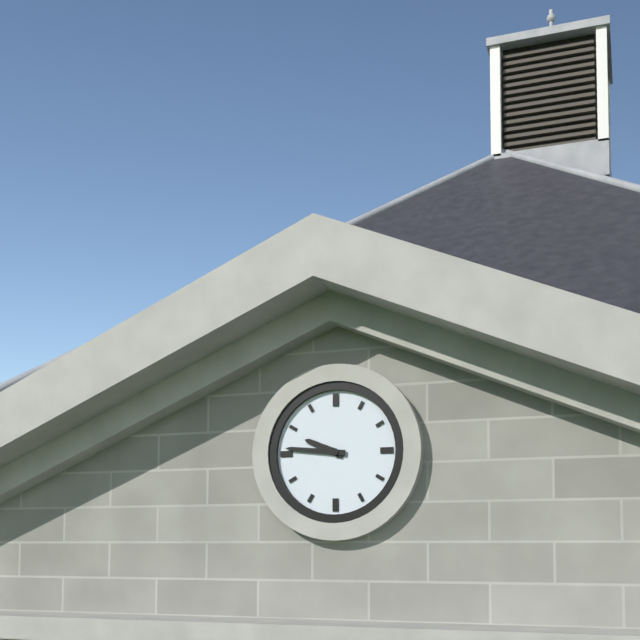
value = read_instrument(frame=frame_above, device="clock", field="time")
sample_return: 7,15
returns 9,46
